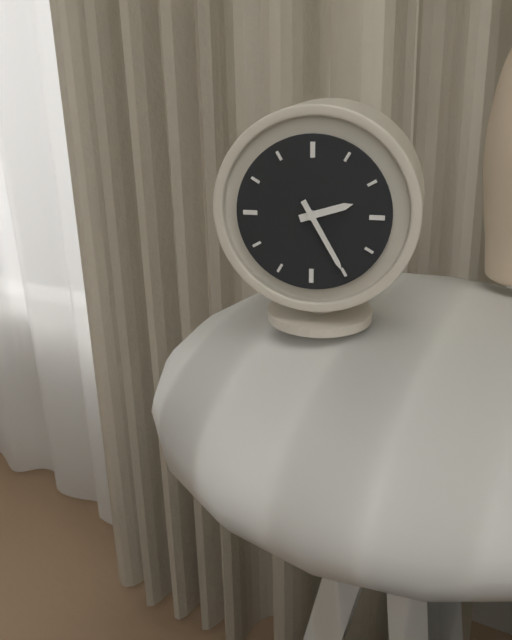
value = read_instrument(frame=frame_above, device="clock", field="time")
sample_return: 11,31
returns 2,25
